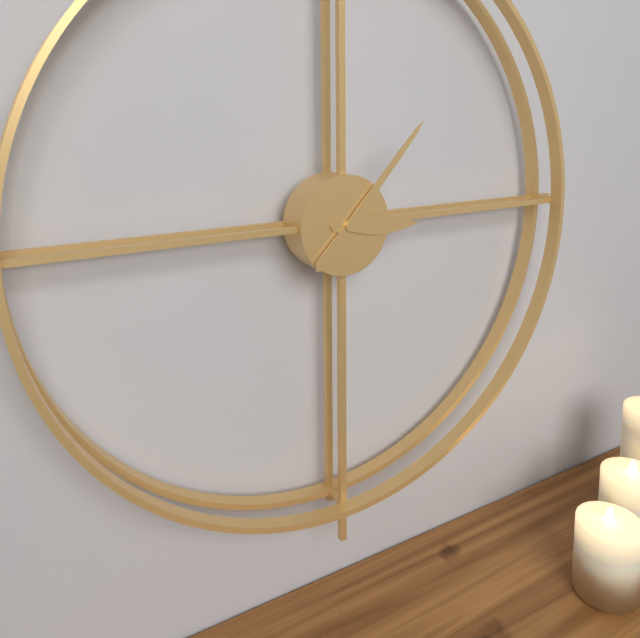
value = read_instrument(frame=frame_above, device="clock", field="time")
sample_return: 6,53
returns 3,07
